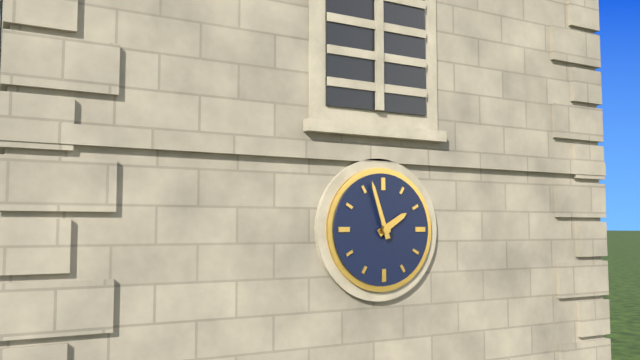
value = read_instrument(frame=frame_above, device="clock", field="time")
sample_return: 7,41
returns 1,57
